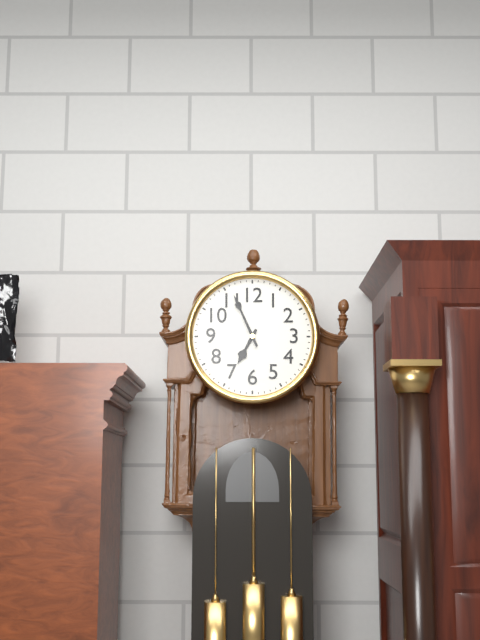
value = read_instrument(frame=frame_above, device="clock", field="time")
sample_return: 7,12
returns 6,56
